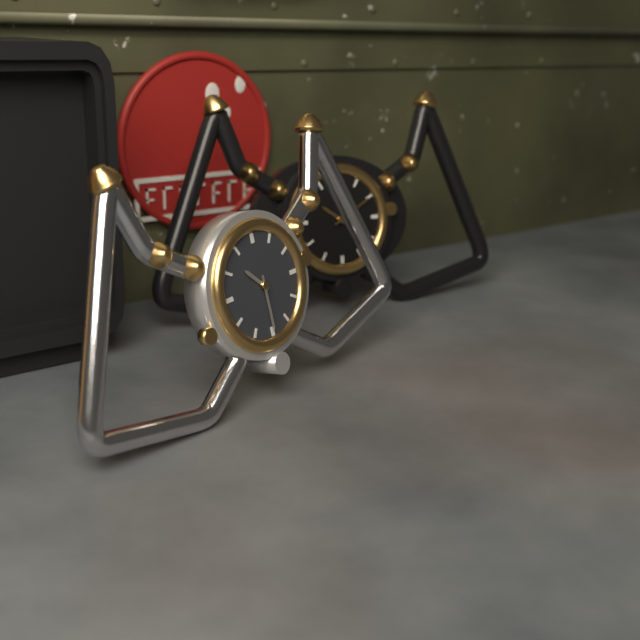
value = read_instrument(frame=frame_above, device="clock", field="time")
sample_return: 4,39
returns 10,30
